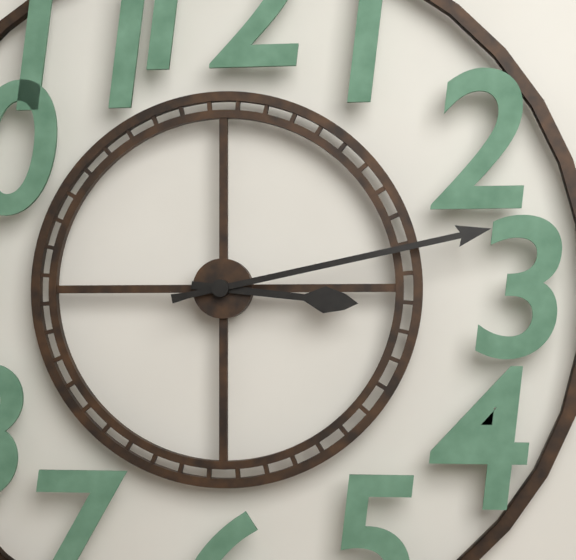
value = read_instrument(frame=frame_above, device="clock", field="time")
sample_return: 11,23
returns 3,13
